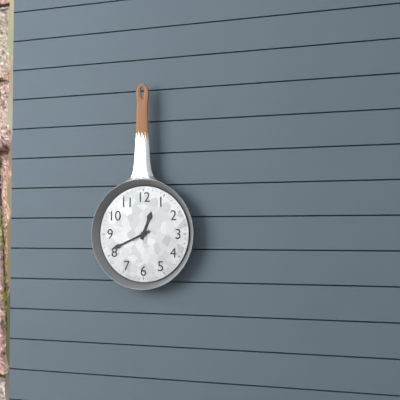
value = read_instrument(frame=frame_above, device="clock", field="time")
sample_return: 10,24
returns 12,41
